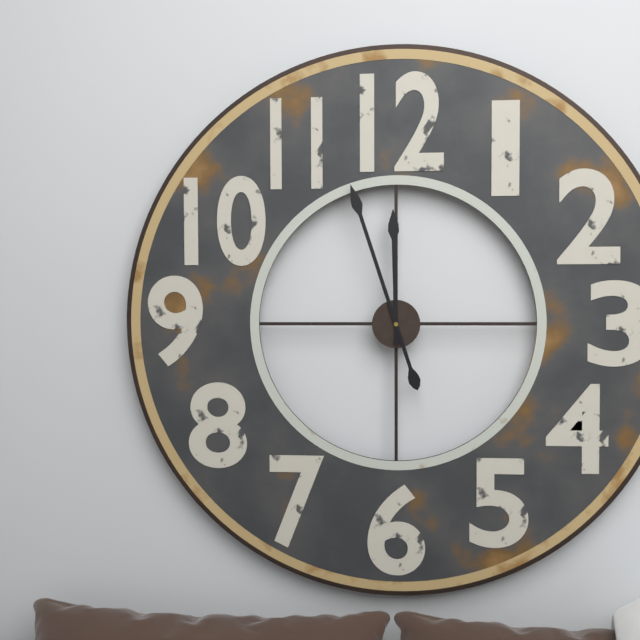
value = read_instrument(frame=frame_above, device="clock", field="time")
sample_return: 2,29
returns 11,57
